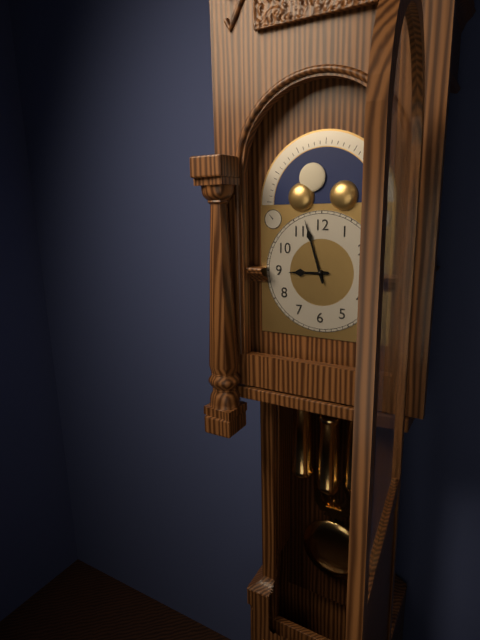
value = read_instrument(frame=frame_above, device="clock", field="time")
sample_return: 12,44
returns 8,57
